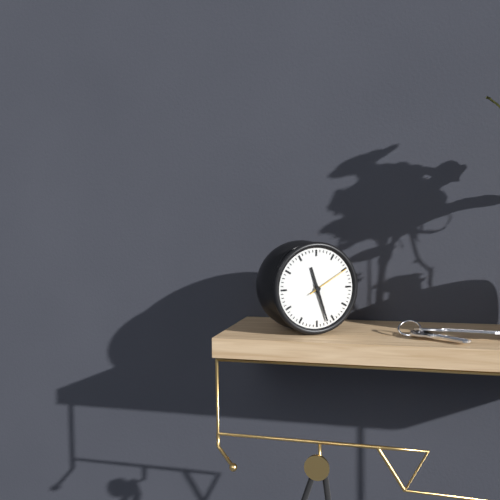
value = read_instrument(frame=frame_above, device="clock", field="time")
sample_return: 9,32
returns 11,27
